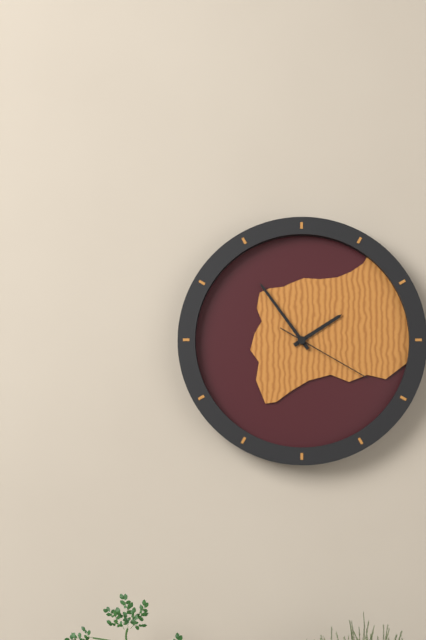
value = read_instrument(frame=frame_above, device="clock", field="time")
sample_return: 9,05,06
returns 1,54,20
